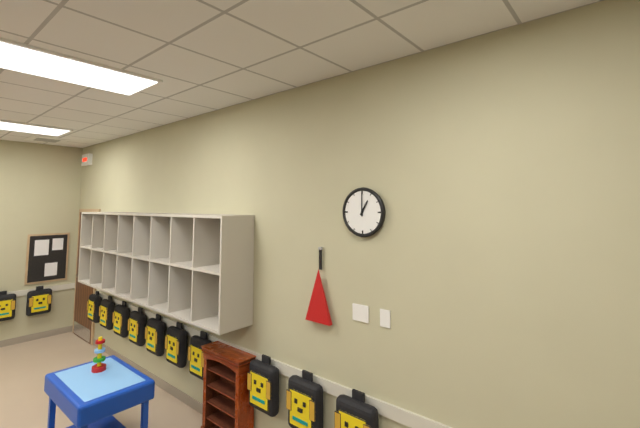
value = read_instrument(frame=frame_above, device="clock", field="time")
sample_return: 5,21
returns 1,00
